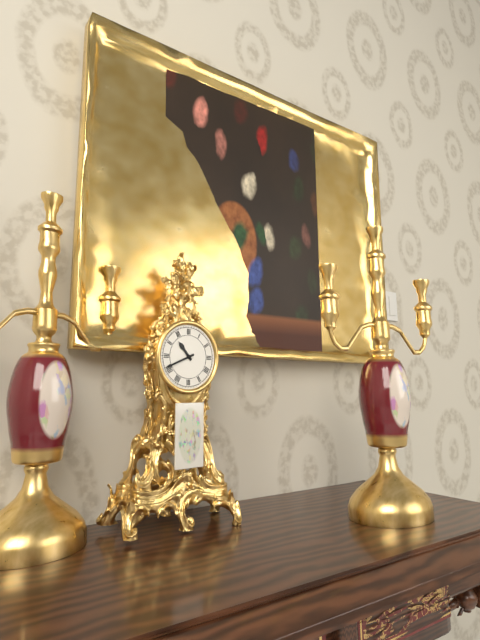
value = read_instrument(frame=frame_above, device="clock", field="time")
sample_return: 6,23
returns 10,41
